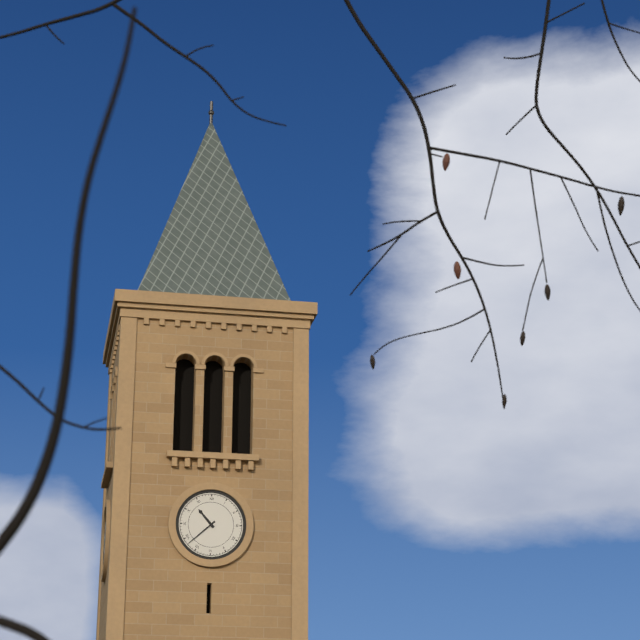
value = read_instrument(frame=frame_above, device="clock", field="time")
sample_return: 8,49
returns 10,38
